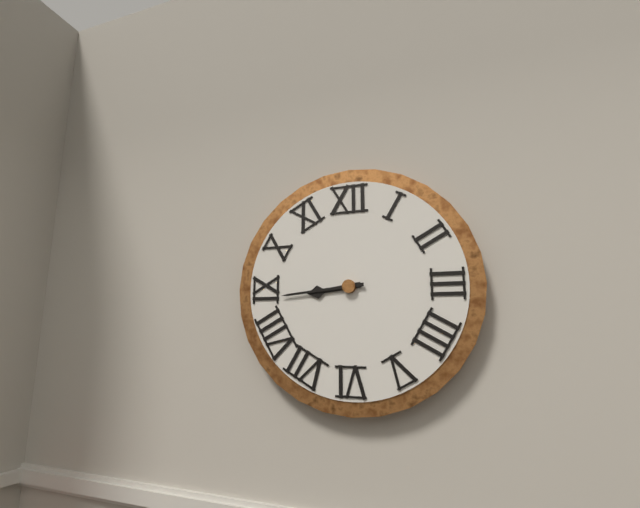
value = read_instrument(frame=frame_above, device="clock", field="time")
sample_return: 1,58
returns 8,44
